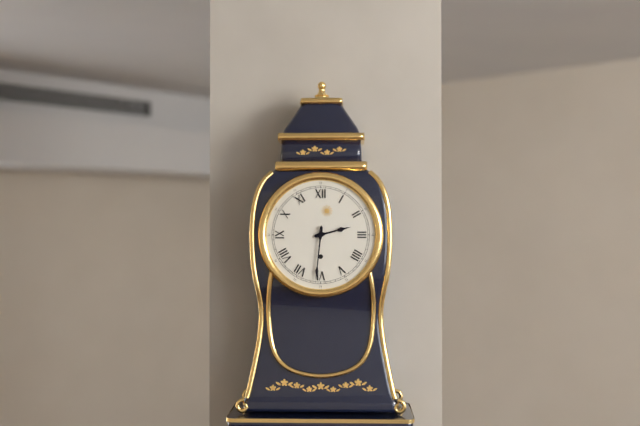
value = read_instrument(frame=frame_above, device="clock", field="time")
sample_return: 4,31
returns 2,31
